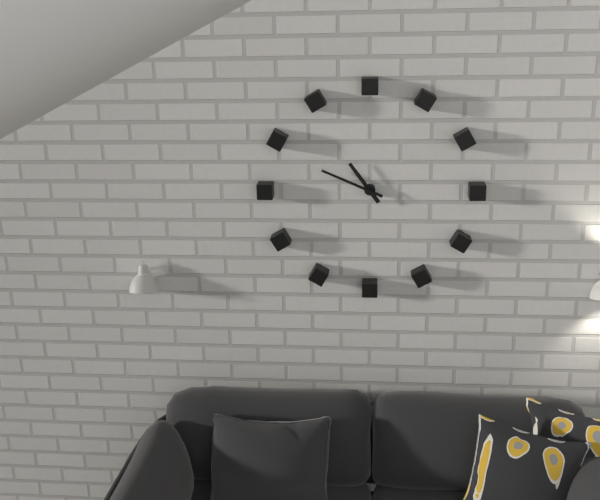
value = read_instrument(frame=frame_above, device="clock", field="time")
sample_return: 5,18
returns 10,49
